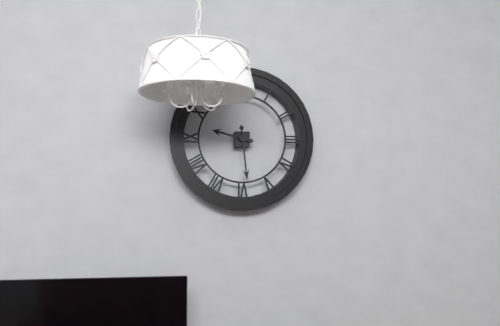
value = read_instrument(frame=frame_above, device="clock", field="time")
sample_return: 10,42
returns 9,29
